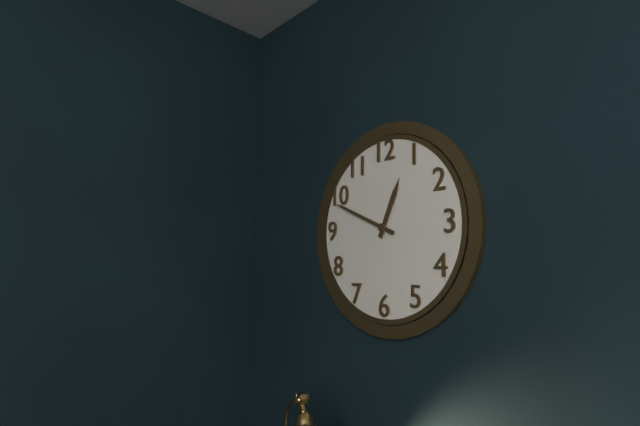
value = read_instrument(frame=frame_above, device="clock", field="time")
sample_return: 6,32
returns 12,49
